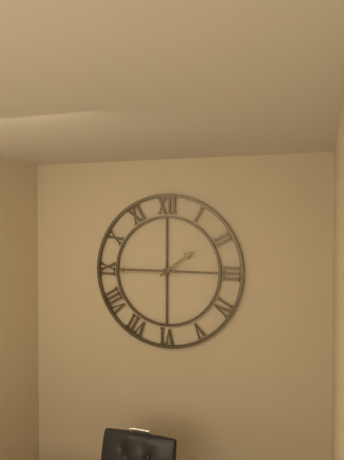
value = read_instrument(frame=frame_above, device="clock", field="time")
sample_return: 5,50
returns 1,45
